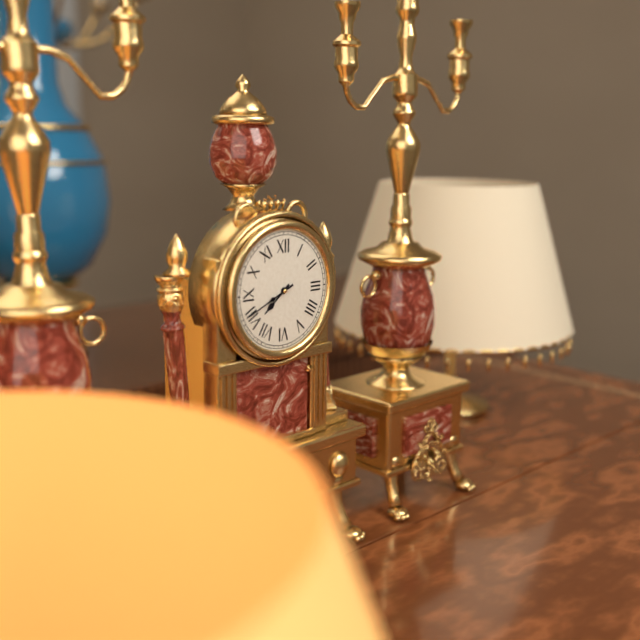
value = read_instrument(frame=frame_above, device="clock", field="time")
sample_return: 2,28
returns 7,41
